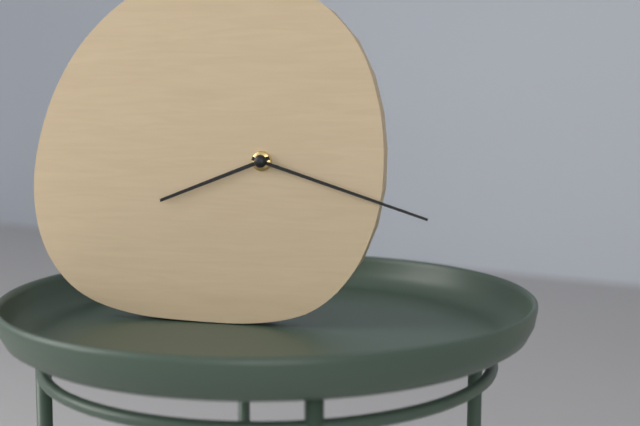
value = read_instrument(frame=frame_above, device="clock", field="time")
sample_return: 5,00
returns 8,18
